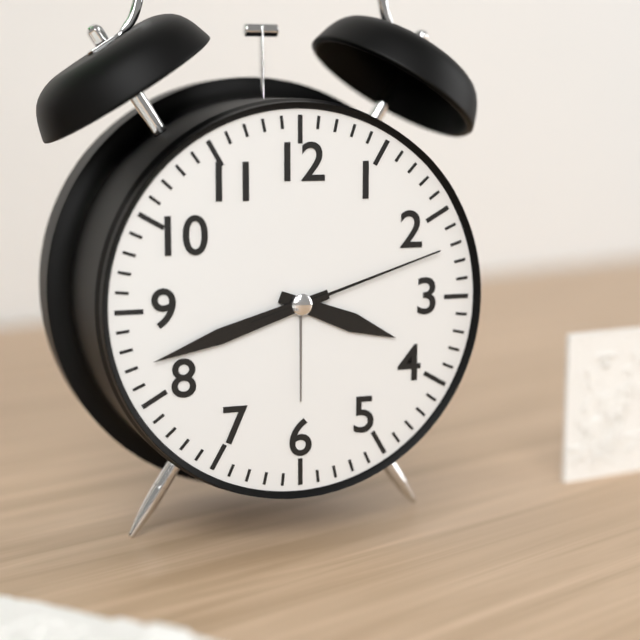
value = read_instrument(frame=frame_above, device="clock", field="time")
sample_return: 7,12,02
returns 3,42,12
